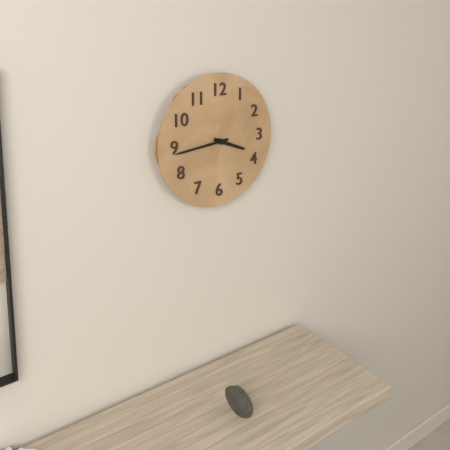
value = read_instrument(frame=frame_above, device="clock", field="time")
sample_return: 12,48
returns 3,44
